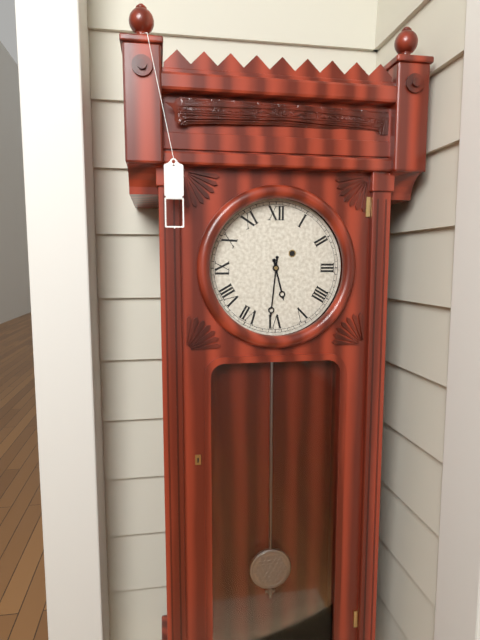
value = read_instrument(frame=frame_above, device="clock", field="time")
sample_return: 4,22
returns 5,31
